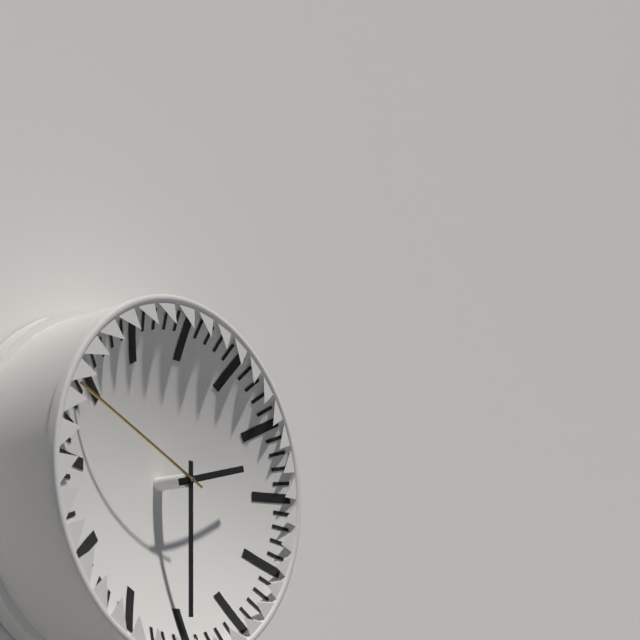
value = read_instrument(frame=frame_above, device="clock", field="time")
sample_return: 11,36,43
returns 2,30,49
